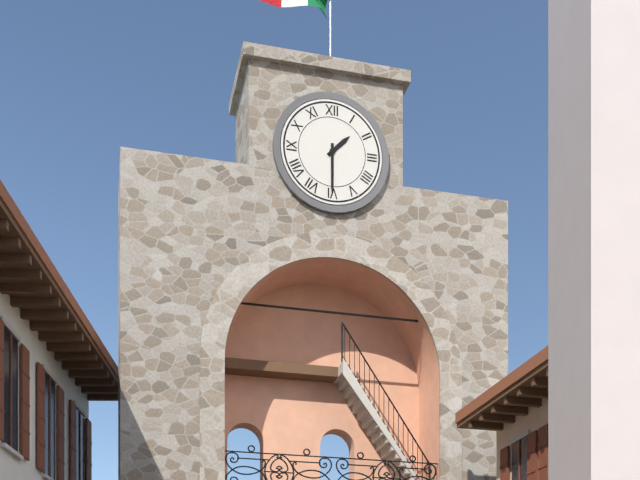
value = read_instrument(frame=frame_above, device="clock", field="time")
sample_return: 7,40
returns 1,30
